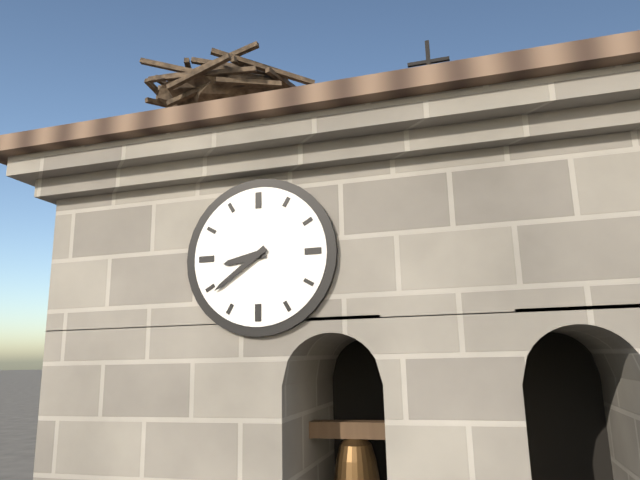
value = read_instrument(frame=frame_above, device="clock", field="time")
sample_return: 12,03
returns 8,39
